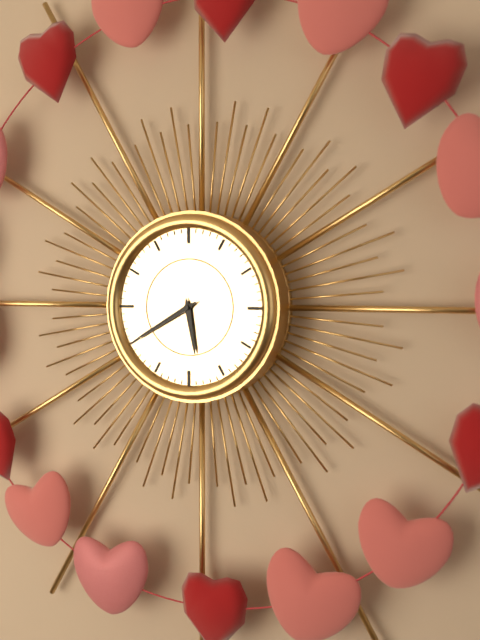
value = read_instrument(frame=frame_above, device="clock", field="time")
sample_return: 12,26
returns 5,40
